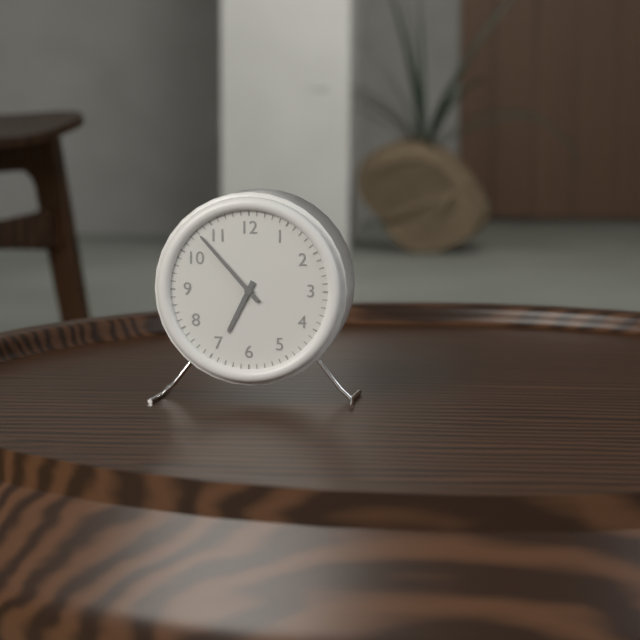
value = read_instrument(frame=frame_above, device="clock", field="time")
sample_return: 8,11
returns 6,53
